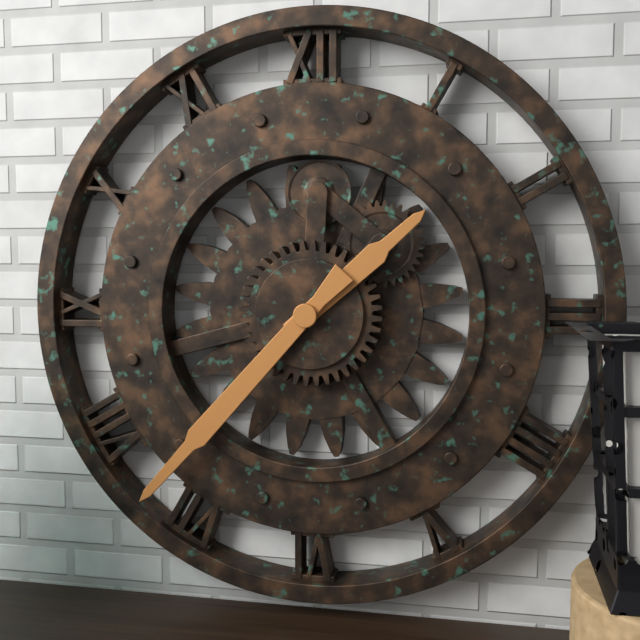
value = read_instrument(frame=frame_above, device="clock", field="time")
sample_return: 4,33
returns 1,37
